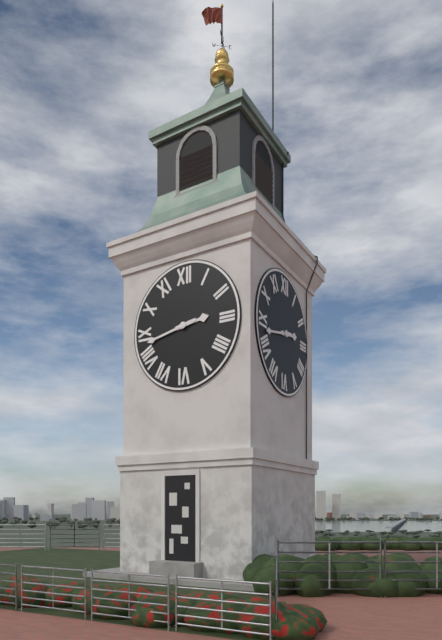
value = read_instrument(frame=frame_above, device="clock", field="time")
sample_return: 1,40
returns 2,43
